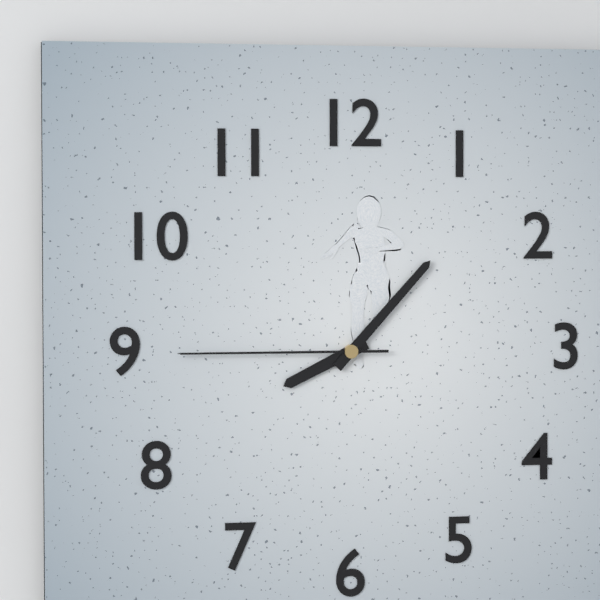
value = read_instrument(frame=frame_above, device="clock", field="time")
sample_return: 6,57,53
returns 8,07,45
